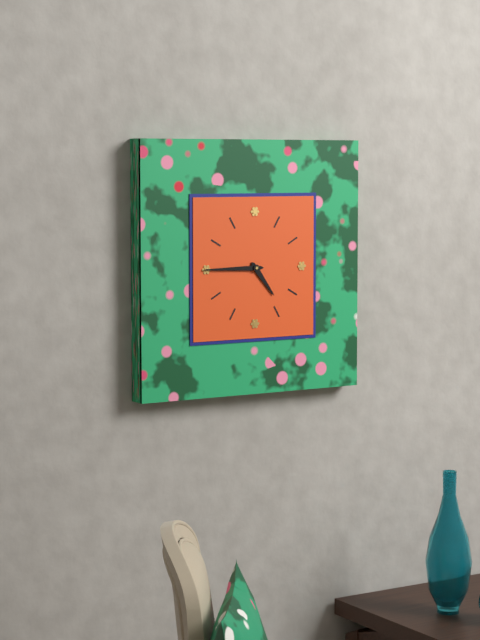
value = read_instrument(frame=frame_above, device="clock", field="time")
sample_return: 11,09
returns 4,45
